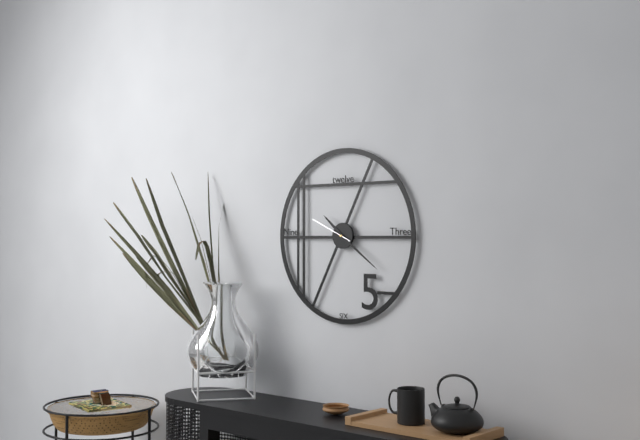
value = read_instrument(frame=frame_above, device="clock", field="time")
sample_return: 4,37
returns 10,21
